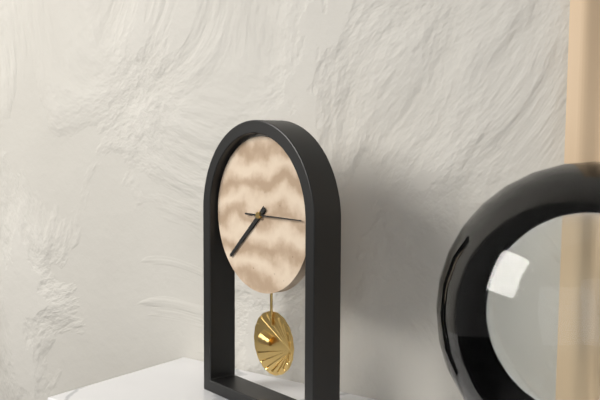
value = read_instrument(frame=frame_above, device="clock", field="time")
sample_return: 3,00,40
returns 7,38,15
